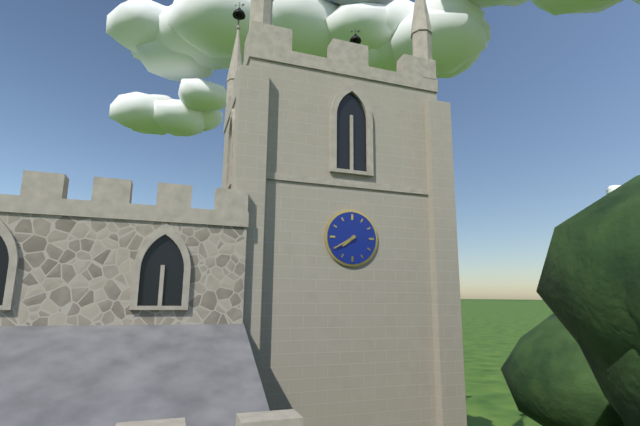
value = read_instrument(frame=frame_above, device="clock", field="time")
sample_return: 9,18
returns 7,40
